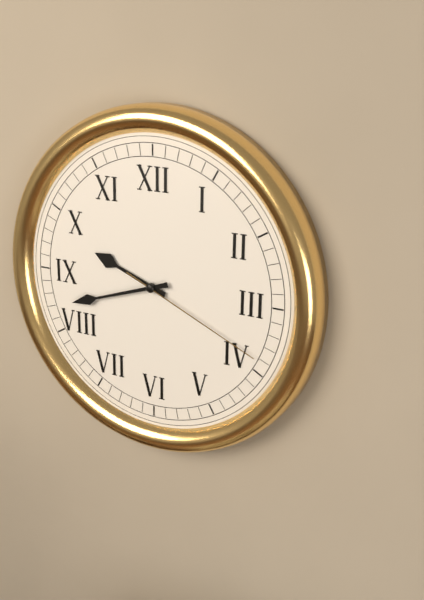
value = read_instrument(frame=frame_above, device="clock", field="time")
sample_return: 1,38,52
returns 9,42,19
